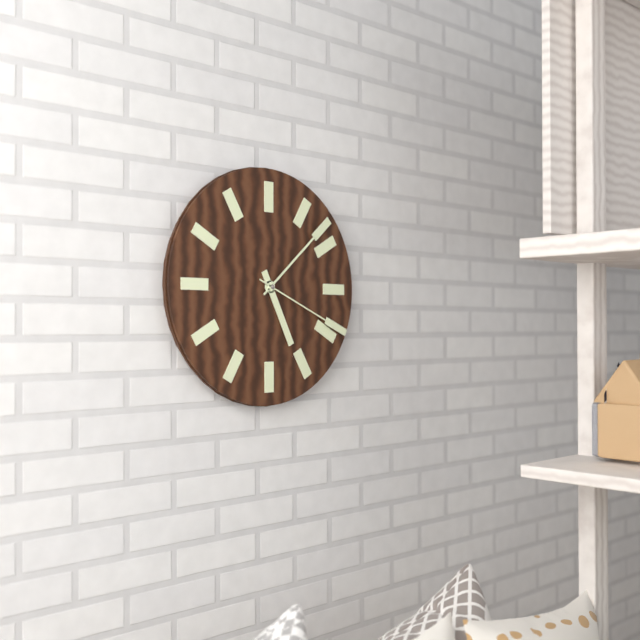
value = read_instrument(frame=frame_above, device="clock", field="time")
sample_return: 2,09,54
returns 5,08,19
